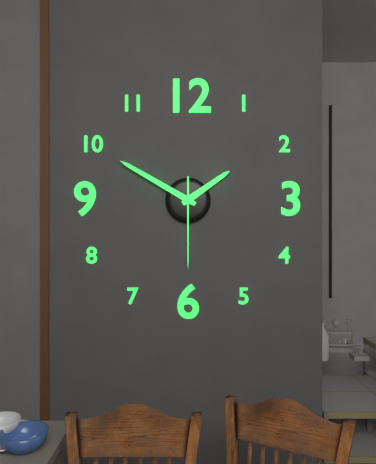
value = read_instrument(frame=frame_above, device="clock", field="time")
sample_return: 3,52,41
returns 1,50,30
